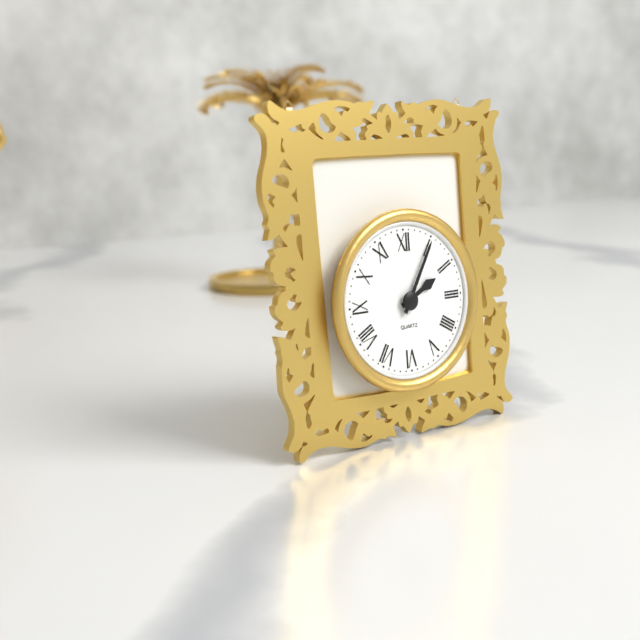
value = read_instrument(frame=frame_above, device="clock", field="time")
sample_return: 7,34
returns 2,05
